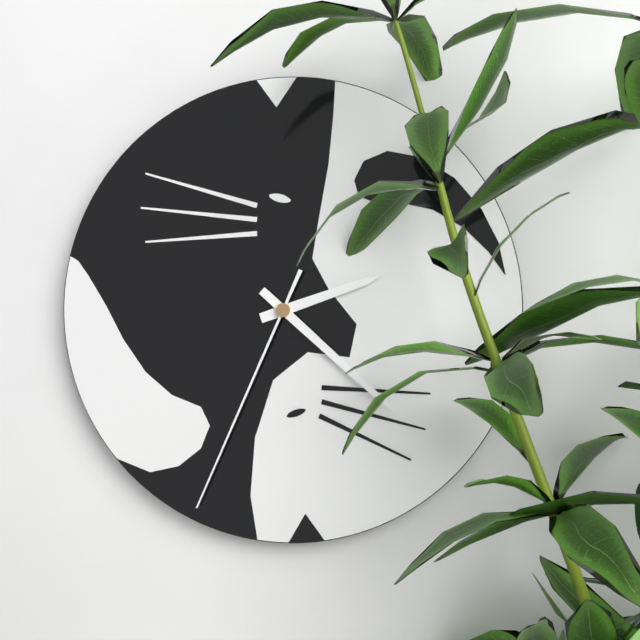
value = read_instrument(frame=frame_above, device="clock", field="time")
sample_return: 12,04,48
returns 2,22,34
